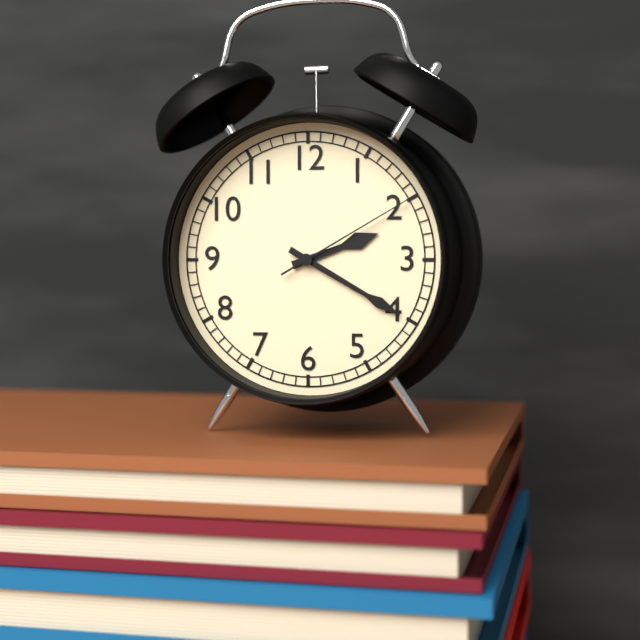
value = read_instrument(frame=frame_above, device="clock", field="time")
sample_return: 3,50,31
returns 2,20,10
